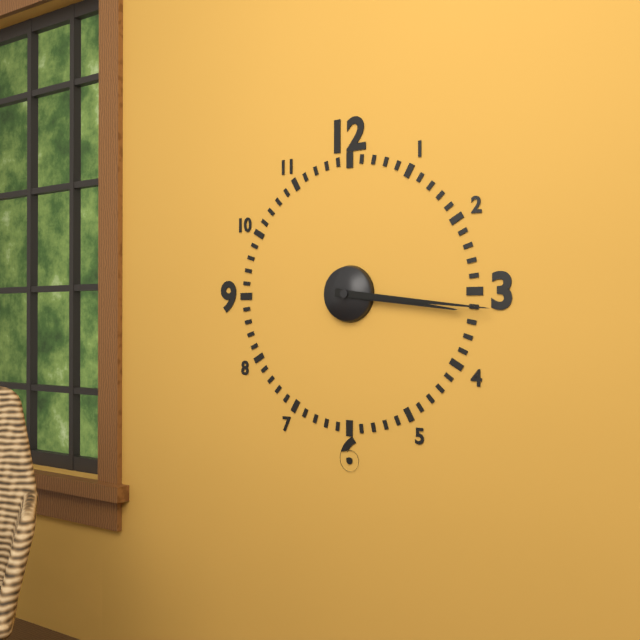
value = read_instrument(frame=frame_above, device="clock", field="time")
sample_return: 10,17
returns 3,16
